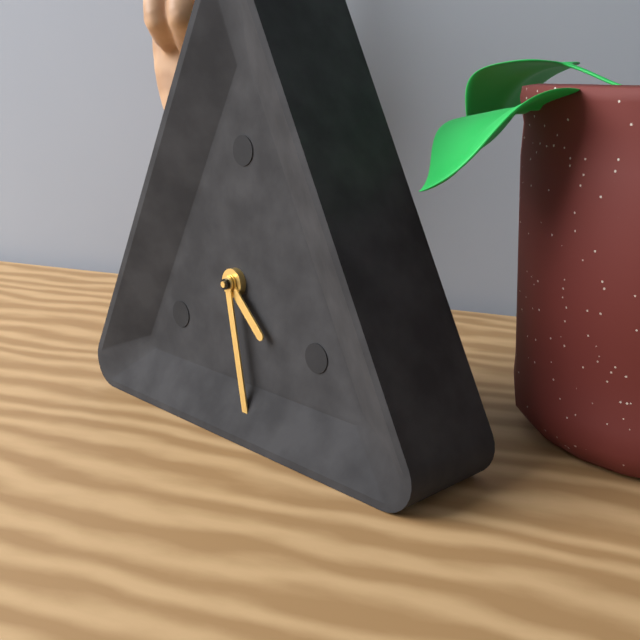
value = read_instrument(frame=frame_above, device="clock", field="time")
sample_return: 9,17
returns 4,28
